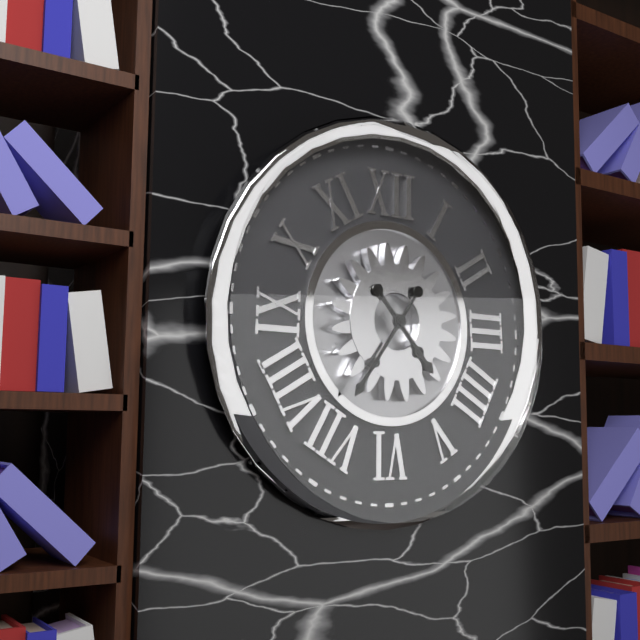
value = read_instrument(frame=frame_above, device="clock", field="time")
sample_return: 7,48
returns 4,36
